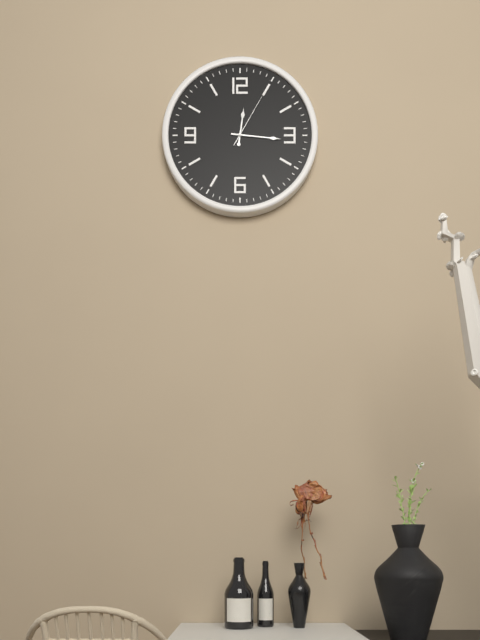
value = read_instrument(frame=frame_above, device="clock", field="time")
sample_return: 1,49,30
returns 12,16,05
